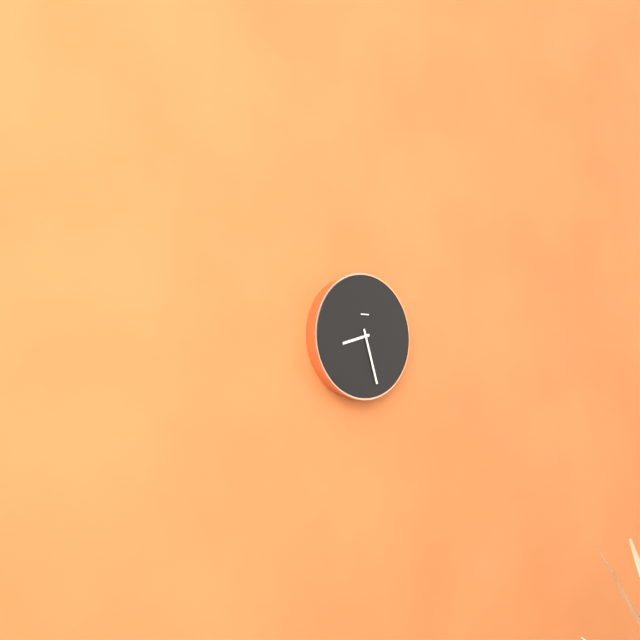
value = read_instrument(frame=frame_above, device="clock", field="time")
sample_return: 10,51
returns 8,27
